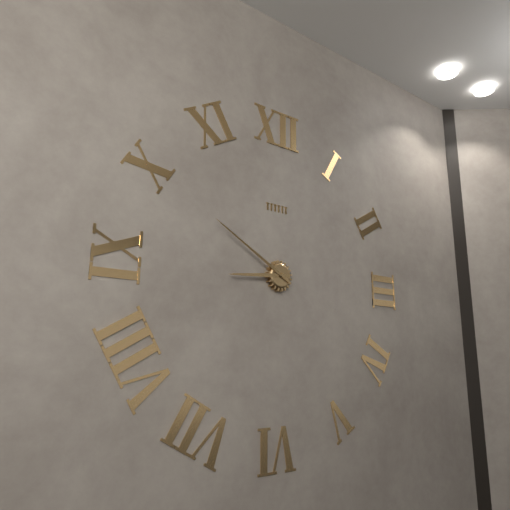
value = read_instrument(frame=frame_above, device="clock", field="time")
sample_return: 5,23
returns 8,50
